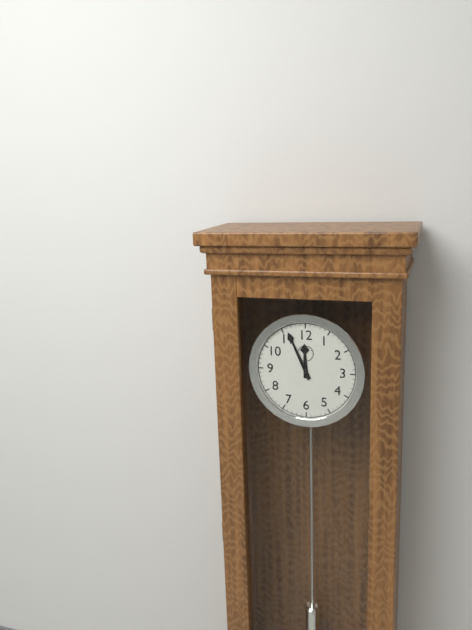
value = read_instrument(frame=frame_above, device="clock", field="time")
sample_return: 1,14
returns 11,56
